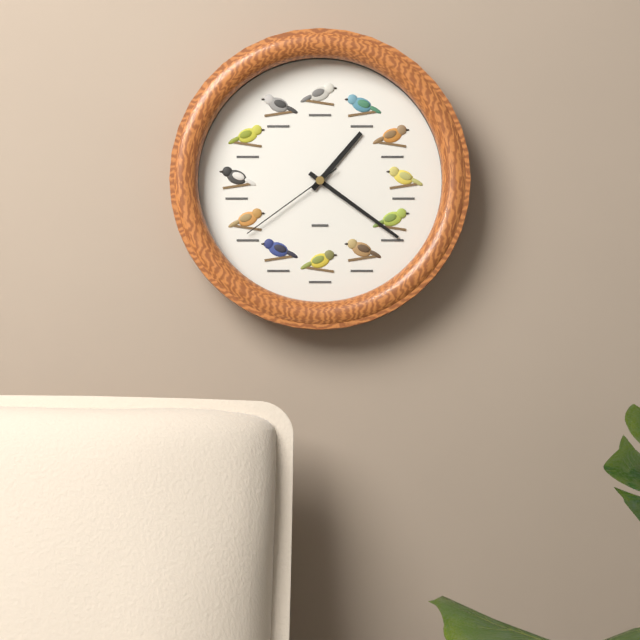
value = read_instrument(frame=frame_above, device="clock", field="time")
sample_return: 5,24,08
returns 1,21,39
